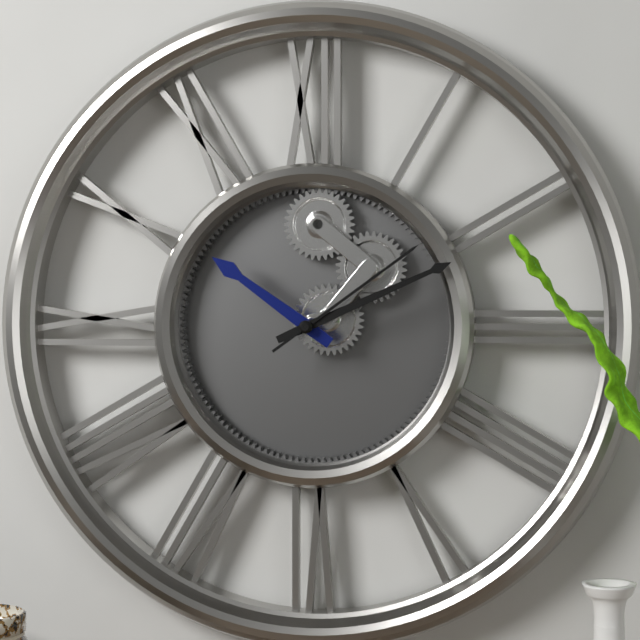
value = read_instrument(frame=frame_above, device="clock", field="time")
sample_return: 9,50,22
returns 10,11,09
